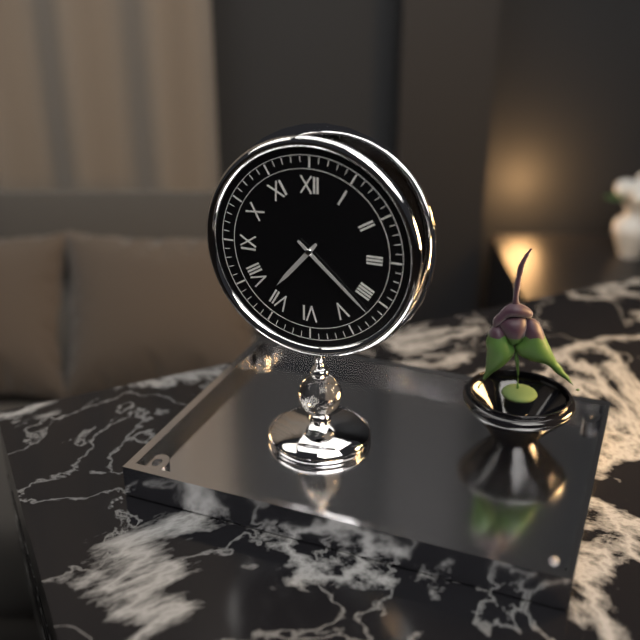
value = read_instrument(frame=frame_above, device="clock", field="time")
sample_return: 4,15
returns 7,22
